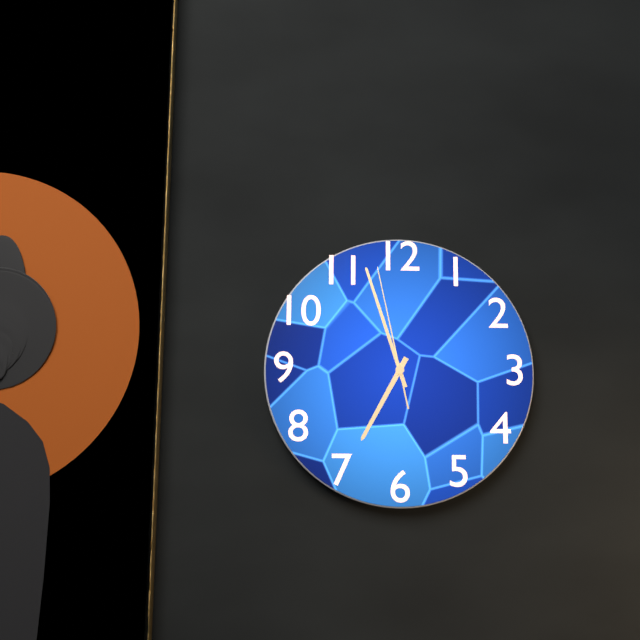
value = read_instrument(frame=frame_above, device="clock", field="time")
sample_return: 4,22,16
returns 6,57,58
